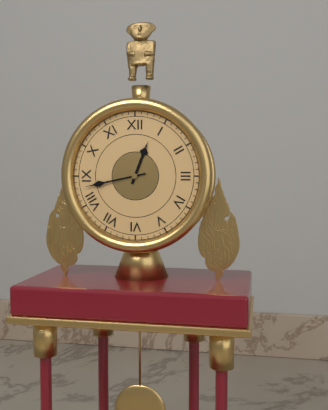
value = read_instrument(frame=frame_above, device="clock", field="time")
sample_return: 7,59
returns 12,43
